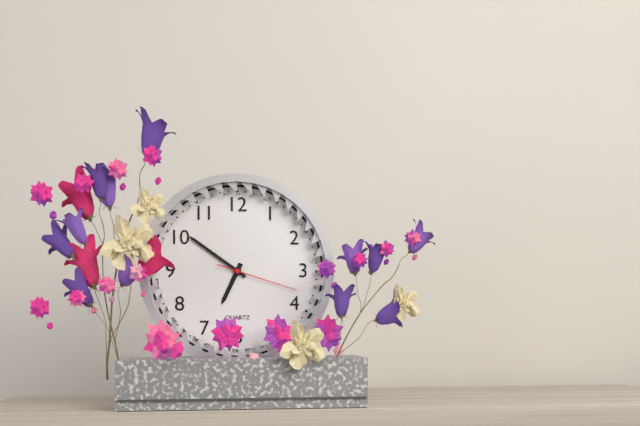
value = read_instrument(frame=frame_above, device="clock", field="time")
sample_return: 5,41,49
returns 6,51,18
